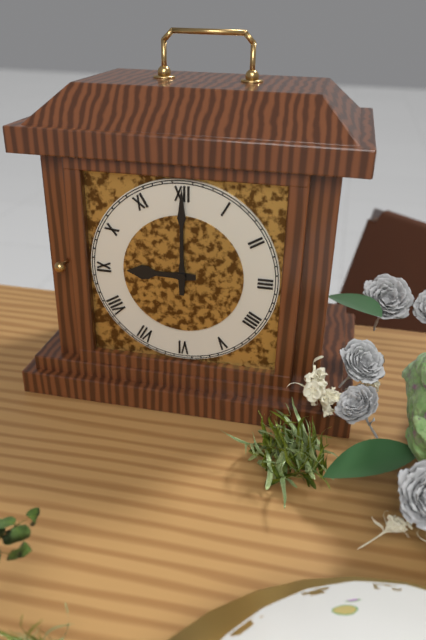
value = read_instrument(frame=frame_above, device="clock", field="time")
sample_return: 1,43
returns 9,00
